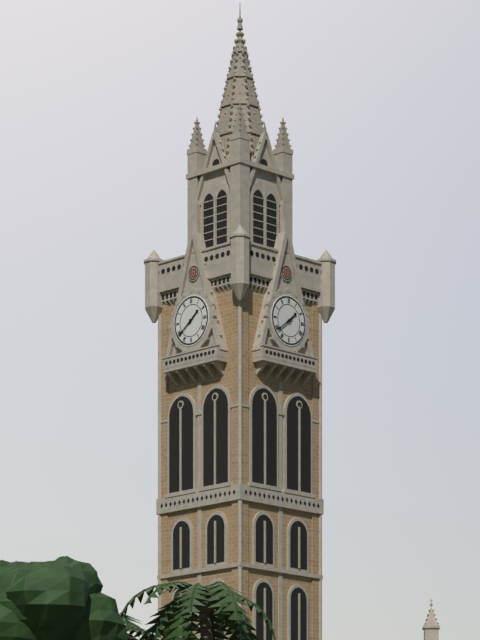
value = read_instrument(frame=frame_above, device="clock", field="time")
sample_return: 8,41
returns 1,39
